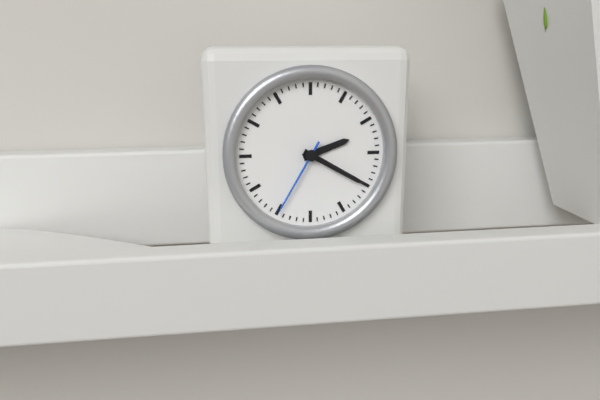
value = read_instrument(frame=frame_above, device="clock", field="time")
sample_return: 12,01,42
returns 2,20,35
